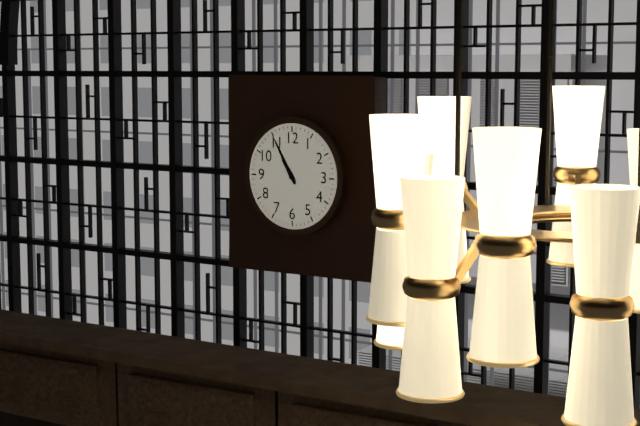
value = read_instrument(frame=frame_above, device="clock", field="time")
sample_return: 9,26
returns 10,55
